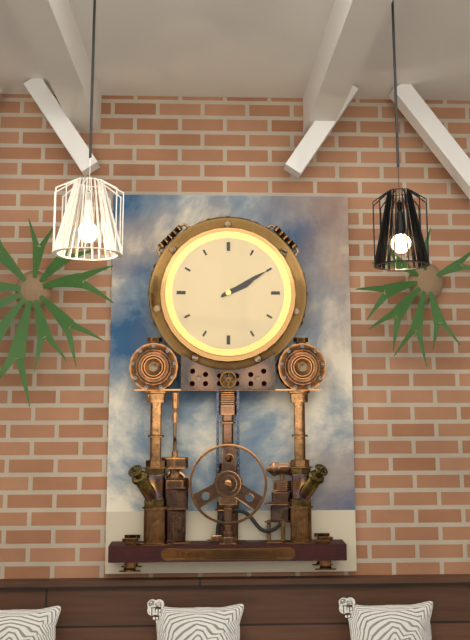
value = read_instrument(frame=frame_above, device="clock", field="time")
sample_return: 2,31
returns 2,10
